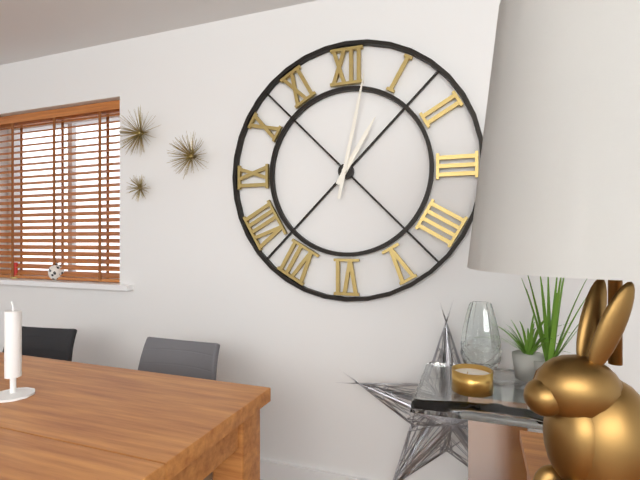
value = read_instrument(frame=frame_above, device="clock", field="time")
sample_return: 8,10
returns 1,02
